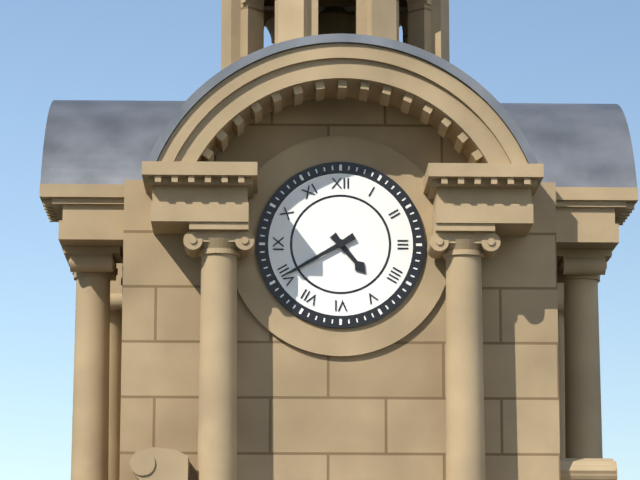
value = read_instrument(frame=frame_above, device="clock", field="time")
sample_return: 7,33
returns 4,40
